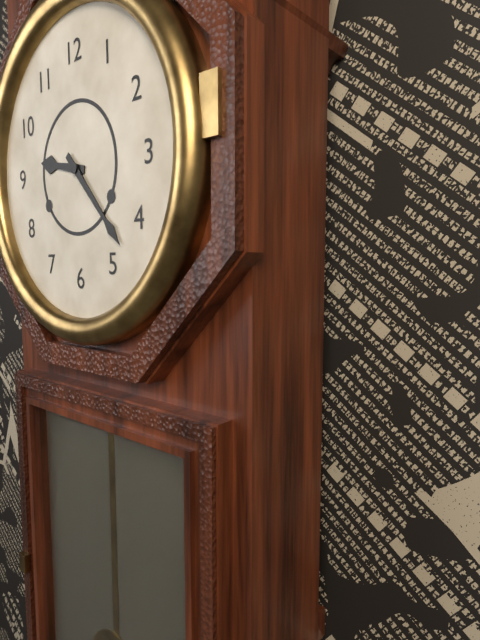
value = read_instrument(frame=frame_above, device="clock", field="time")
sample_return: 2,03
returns 9,23
